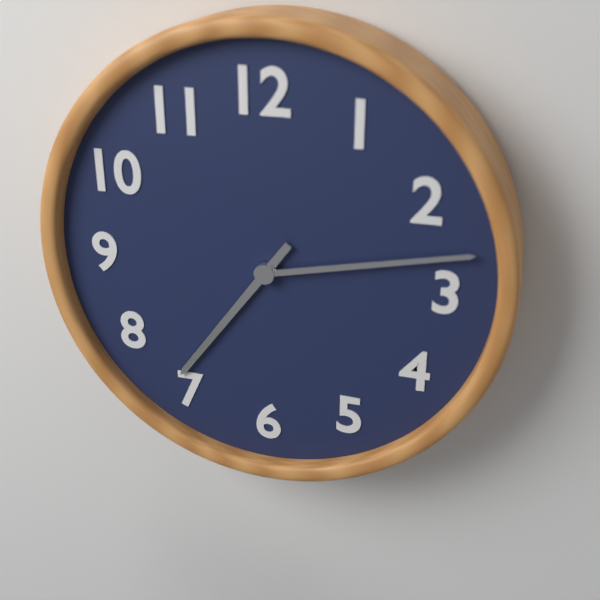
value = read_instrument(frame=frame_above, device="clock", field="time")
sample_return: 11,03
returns 7,13
